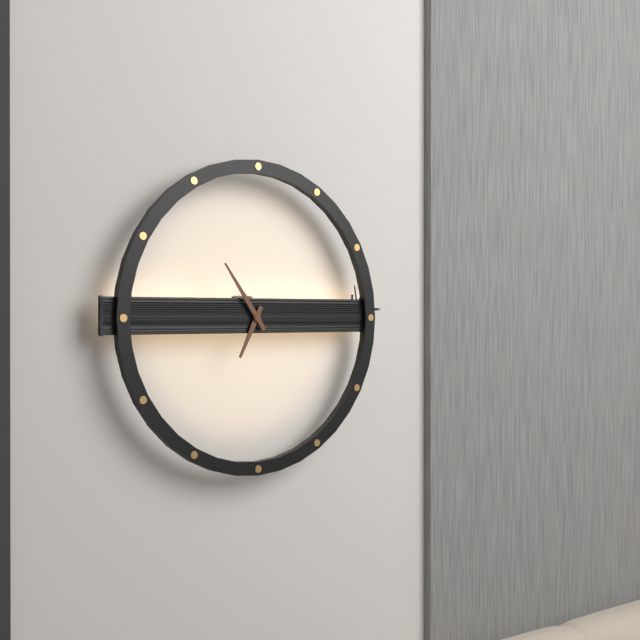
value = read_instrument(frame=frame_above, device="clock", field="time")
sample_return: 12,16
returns 6,54
